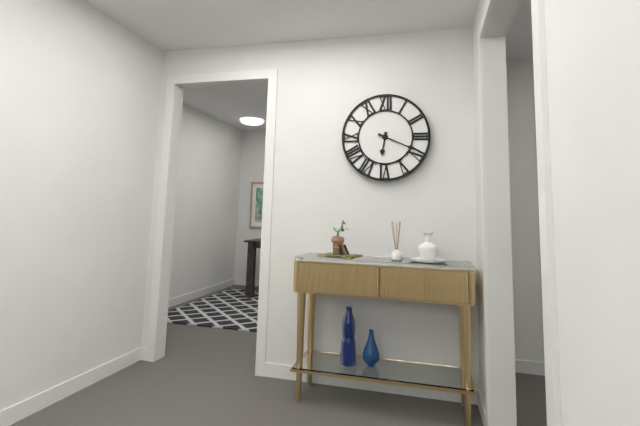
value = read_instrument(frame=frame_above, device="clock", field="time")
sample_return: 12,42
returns 6,19
